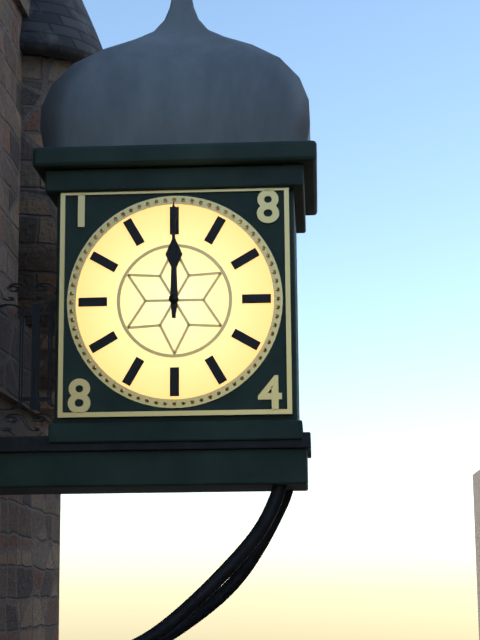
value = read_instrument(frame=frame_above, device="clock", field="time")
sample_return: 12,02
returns 12,00
